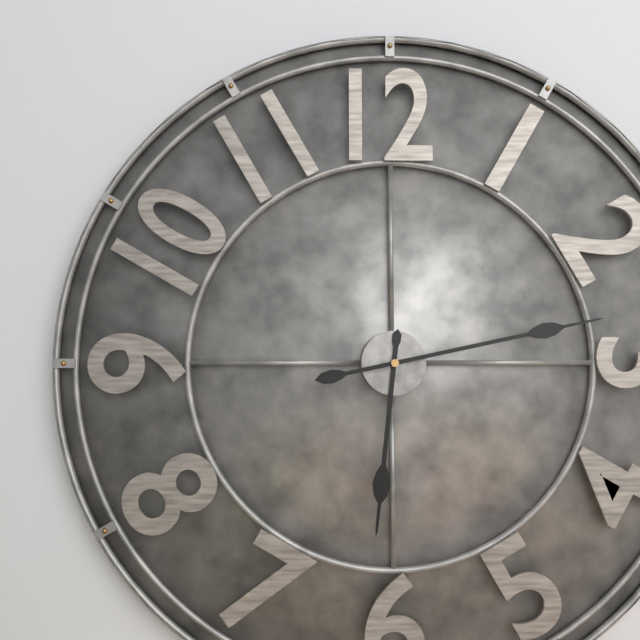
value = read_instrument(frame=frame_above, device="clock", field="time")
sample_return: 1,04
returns 6,13
